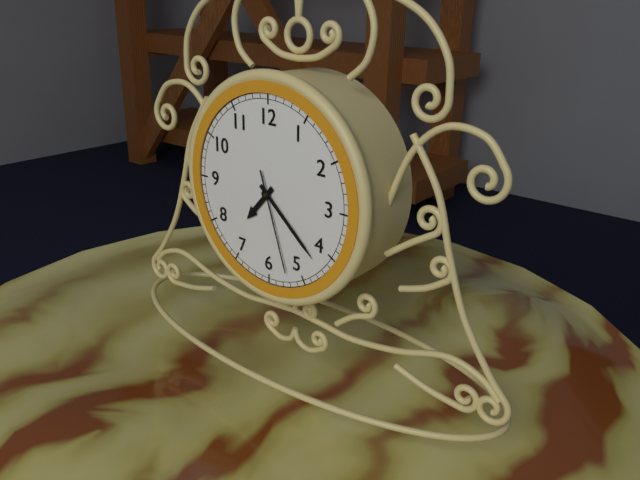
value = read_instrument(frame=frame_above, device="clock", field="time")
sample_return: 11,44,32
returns 7,22,27
